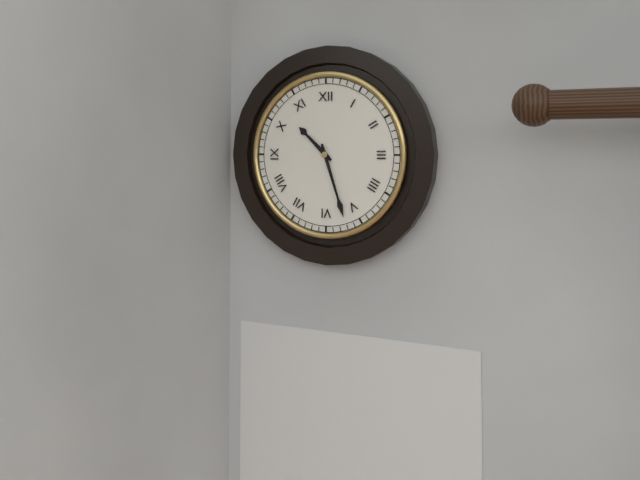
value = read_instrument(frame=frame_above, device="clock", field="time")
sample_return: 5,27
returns 10,27
